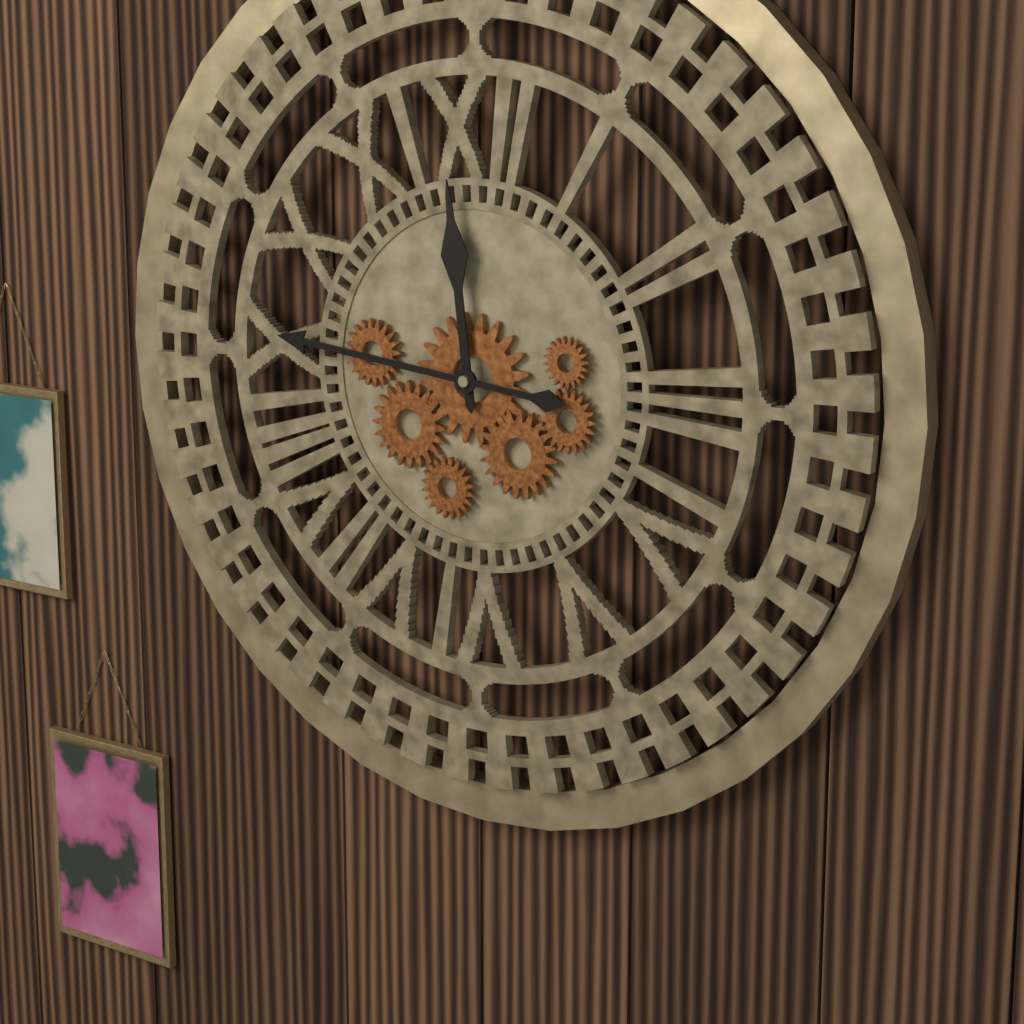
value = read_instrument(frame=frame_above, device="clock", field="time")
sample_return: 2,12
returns 11,46
